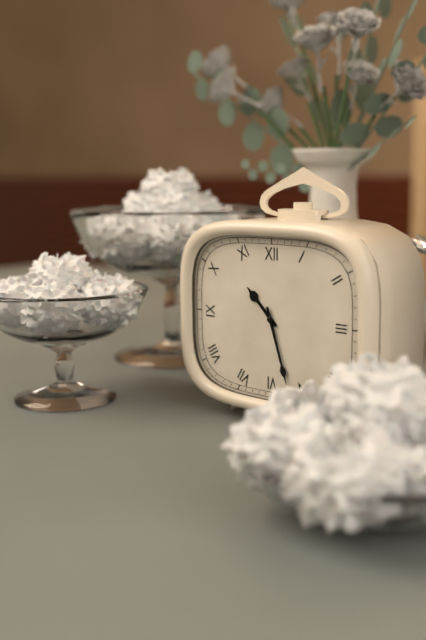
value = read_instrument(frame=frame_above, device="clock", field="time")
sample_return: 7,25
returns 10,27
